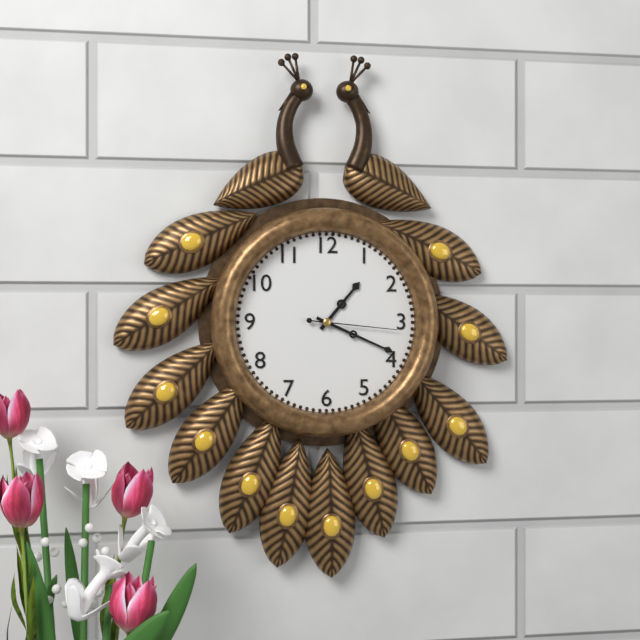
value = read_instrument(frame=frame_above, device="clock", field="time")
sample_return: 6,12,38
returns 1,19,16
